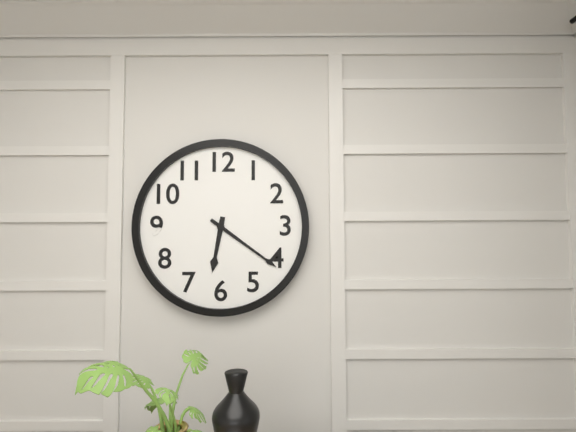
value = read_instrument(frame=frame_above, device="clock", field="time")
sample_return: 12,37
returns 6,21
